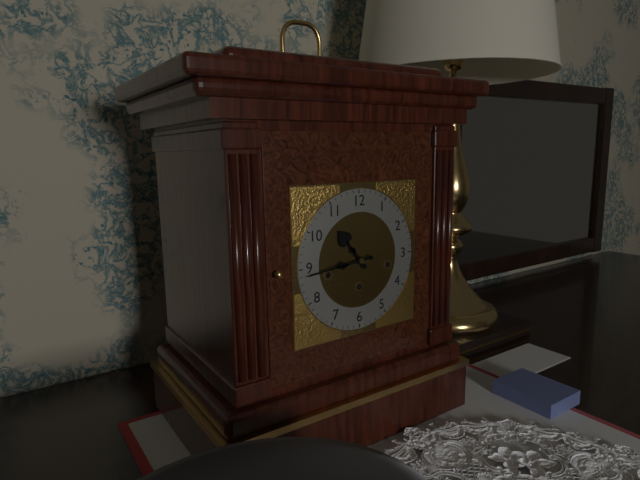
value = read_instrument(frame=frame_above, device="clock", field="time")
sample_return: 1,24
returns 10,44
